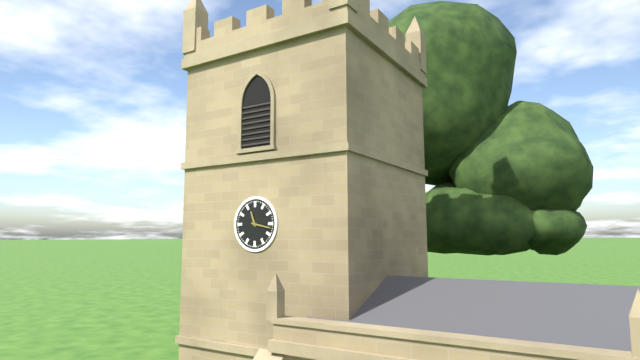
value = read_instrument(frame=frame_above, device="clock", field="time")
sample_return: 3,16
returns 11,17
